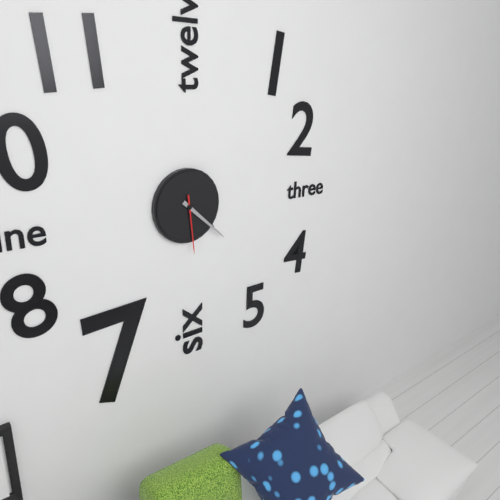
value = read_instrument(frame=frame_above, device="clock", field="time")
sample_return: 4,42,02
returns 4,22,29
